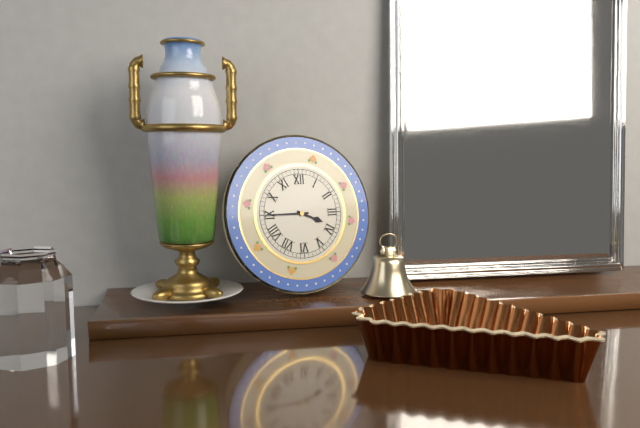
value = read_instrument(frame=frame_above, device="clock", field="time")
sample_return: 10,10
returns 3,45
